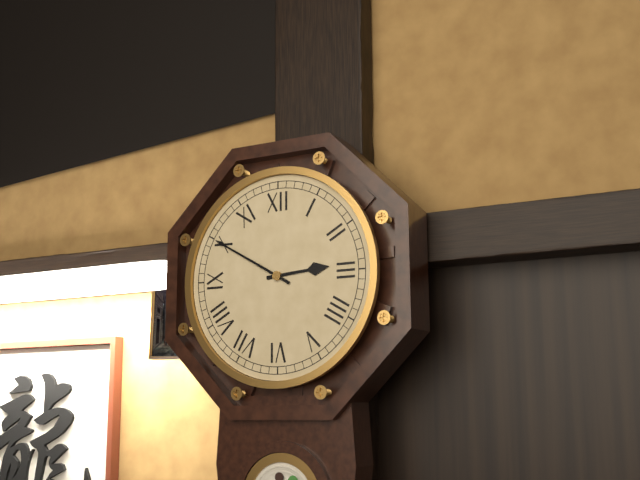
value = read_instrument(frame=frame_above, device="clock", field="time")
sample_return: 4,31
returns 2,50
